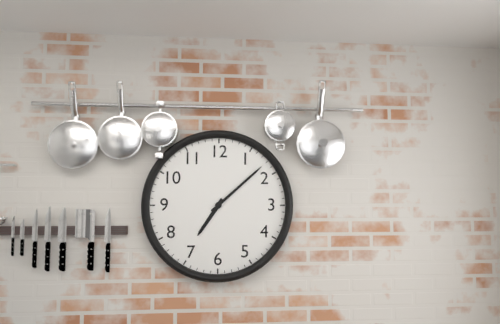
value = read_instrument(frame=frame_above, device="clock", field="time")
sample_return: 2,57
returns 7,08
